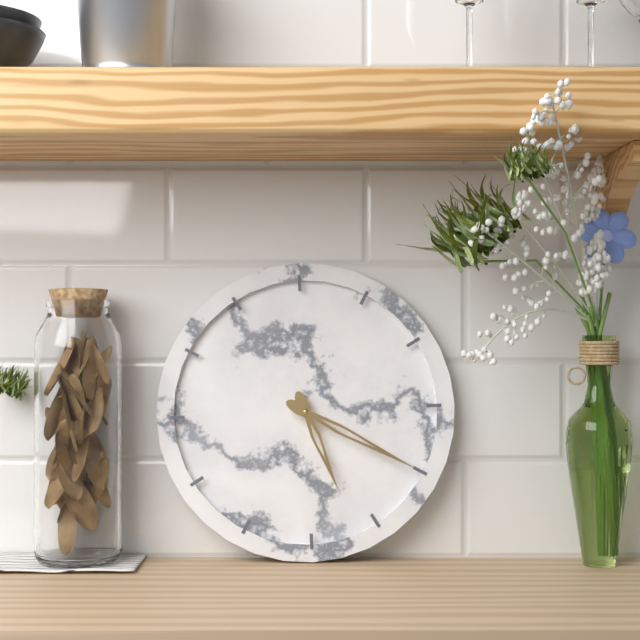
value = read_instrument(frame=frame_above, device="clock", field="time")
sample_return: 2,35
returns 5,20
